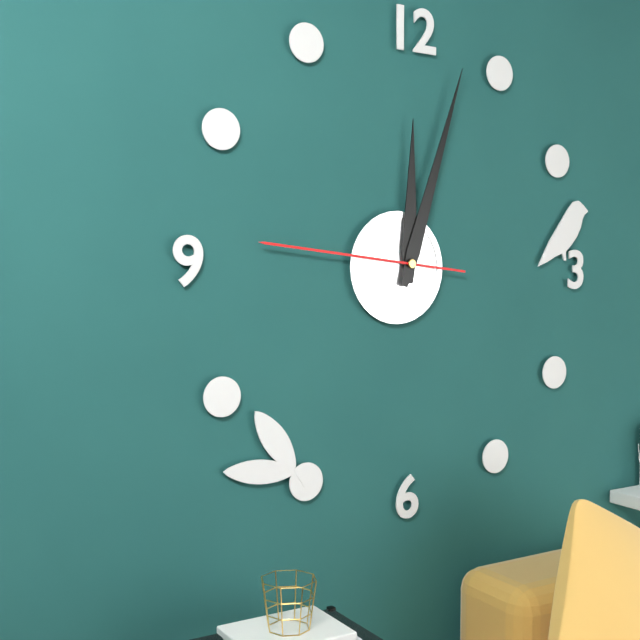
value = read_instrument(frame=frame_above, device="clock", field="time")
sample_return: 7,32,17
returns 12,03,46
